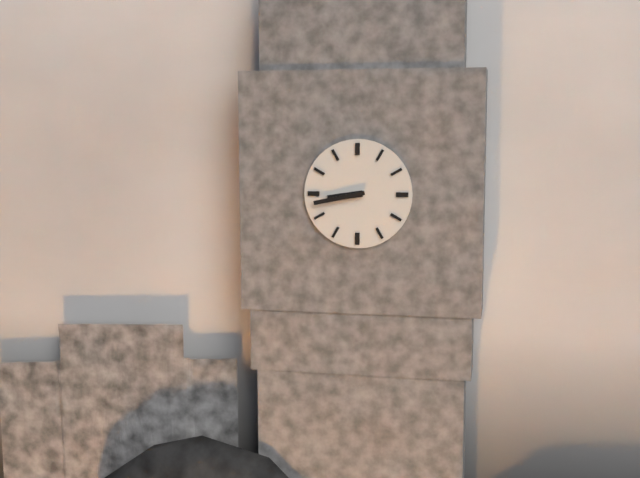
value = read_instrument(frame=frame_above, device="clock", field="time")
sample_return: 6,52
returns 8,43
